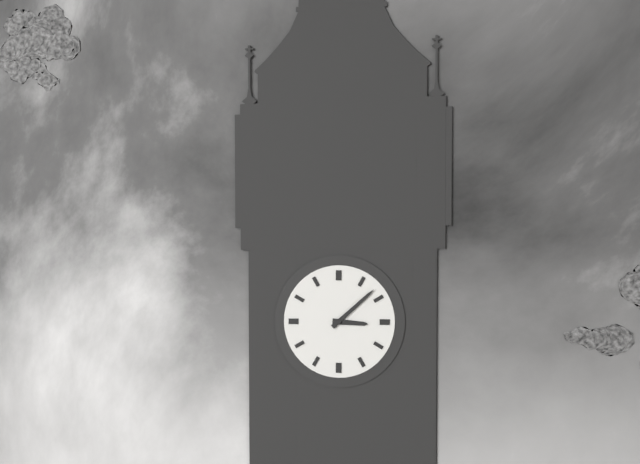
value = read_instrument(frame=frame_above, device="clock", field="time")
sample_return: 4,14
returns 3,08
